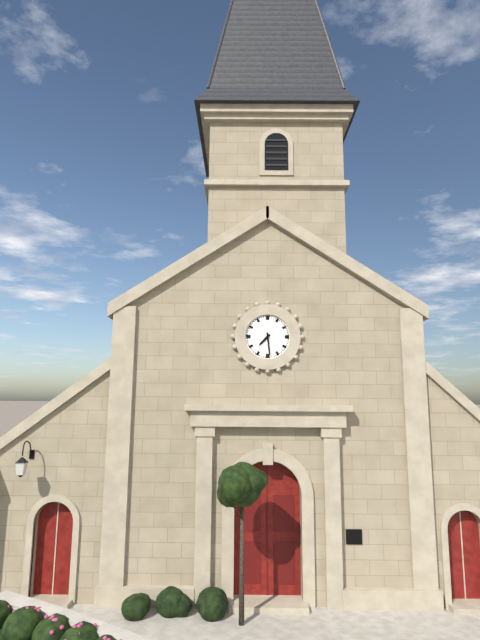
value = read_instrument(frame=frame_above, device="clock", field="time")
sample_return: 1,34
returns 7,29
